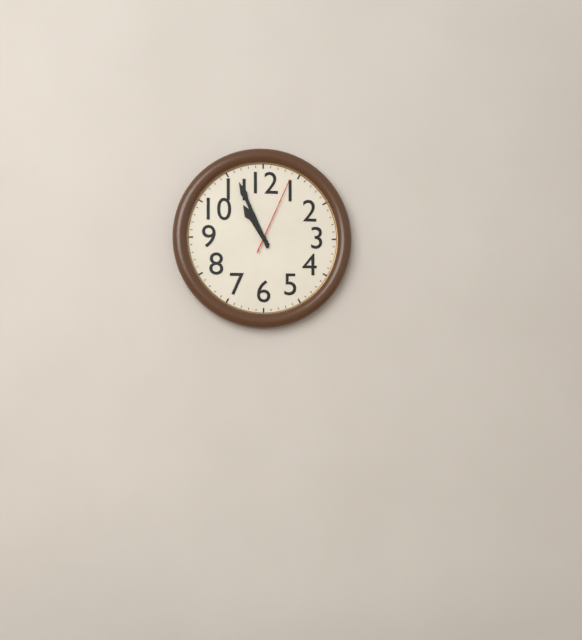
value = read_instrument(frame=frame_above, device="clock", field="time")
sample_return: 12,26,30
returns 10,56,04
